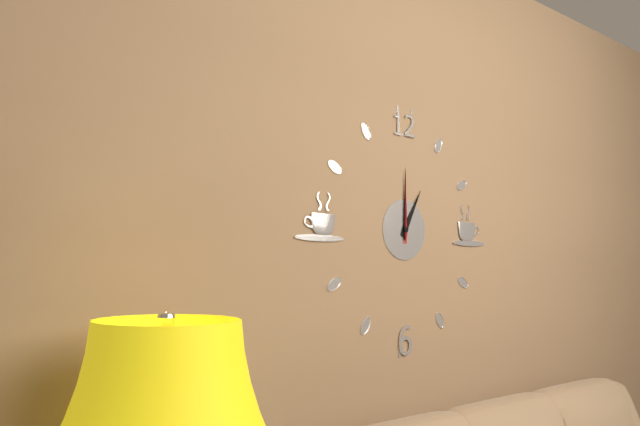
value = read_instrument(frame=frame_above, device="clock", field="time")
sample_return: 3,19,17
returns 1,00,00
